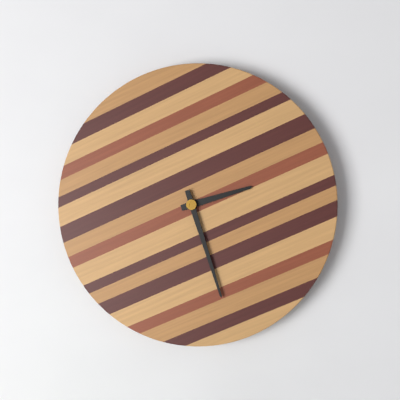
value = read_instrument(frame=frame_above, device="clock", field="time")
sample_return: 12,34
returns 2,27
